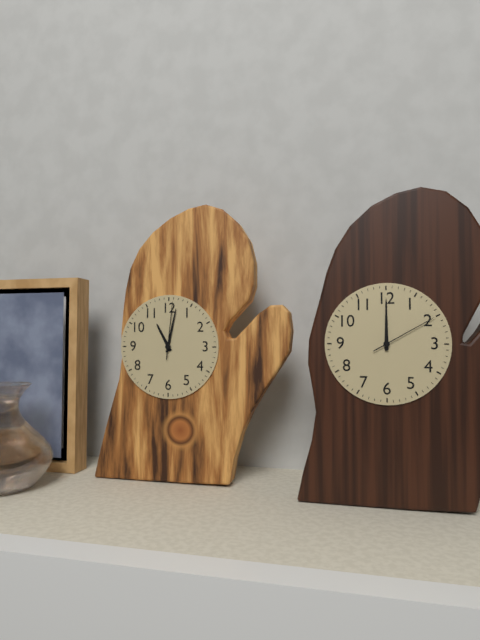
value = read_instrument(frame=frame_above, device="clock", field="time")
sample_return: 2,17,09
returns 11,02,01
